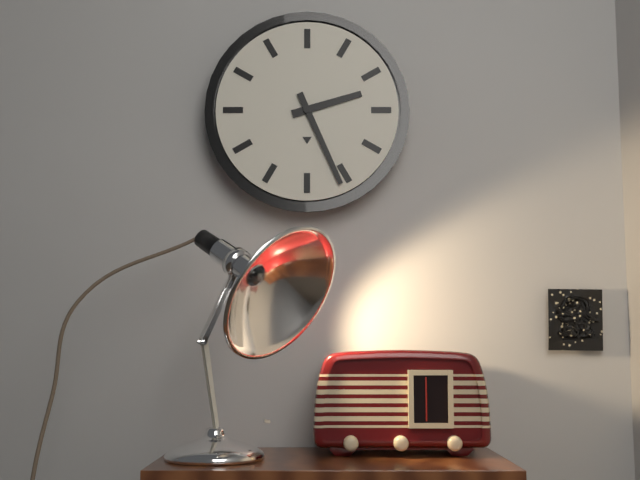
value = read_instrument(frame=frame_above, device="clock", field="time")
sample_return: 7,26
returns 2,26
